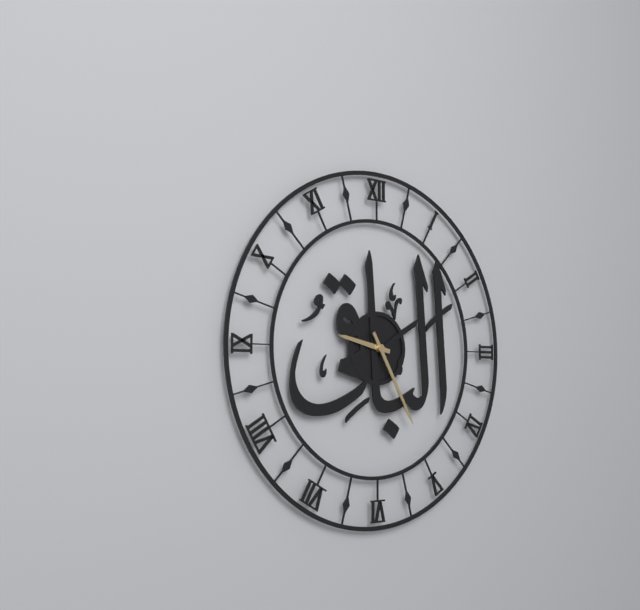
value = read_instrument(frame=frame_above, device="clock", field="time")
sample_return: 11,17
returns 9,25
